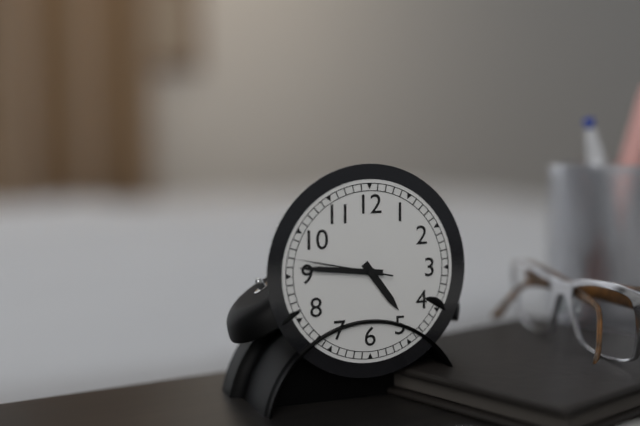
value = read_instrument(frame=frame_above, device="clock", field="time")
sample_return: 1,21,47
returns 4,46,47
